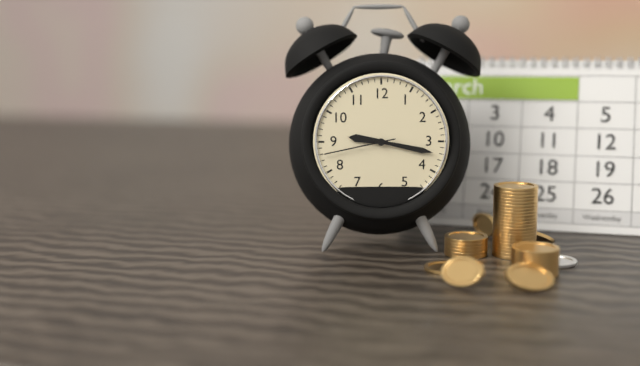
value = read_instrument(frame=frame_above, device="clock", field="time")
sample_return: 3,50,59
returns 9,17,43
